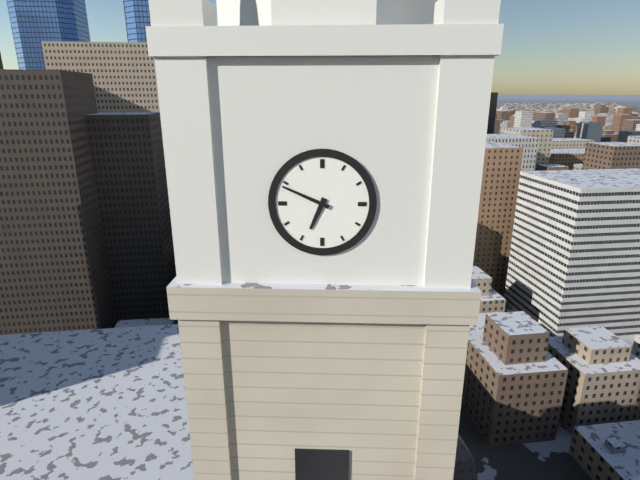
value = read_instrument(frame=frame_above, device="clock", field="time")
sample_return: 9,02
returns 6,49
